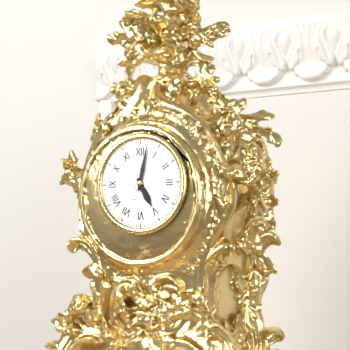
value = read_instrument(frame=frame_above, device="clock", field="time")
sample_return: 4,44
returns 5,02
